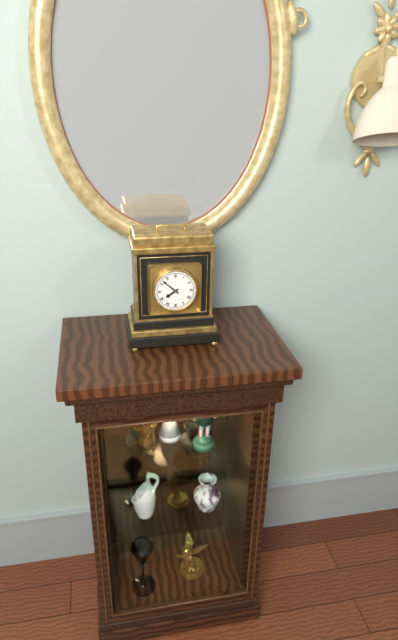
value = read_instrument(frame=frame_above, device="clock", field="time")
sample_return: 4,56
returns 7,52
